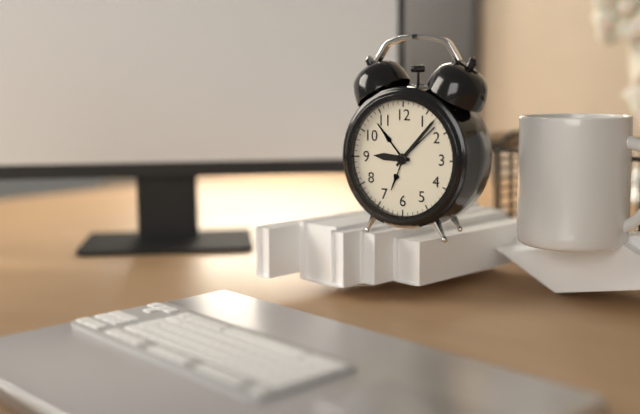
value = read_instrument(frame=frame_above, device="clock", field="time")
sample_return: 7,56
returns 9,07
